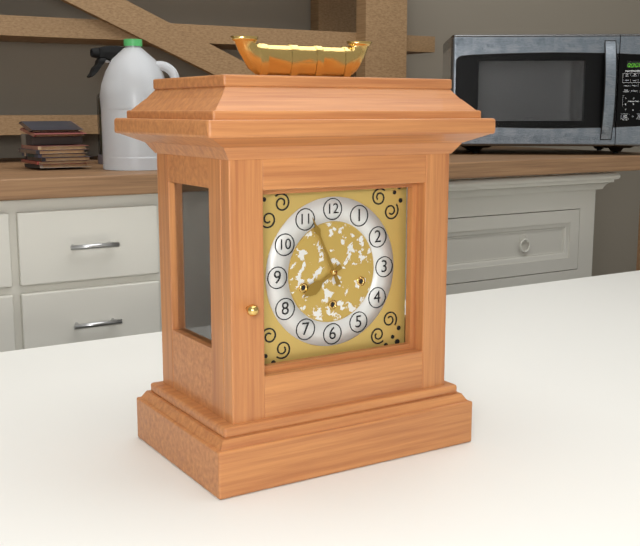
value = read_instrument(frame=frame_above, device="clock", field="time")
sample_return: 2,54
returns 7,56
